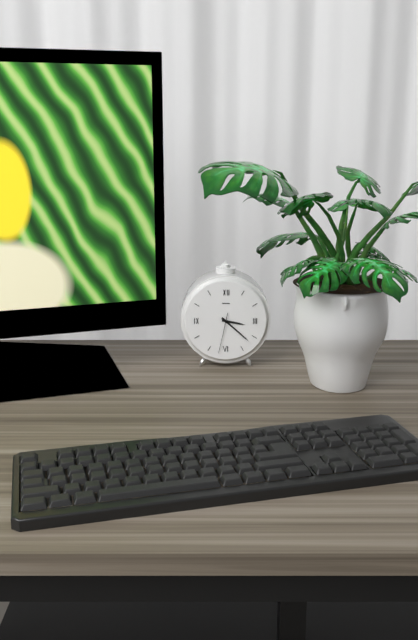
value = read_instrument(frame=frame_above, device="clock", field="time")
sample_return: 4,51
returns 3,22
